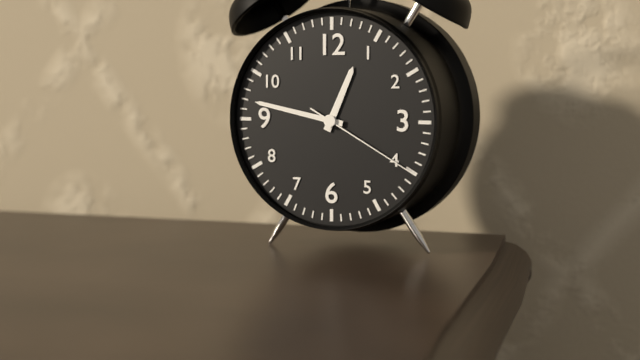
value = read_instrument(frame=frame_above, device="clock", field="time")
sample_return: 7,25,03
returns 12,47,20
